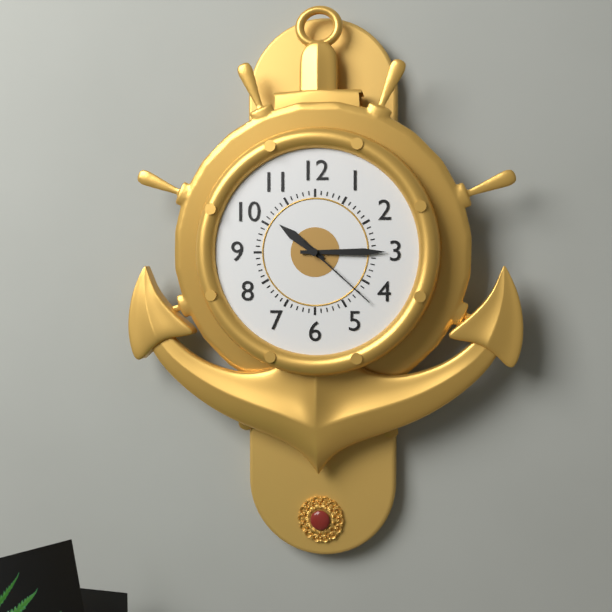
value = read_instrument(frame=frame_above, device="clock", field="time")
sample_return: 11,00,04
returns 10,15,22
